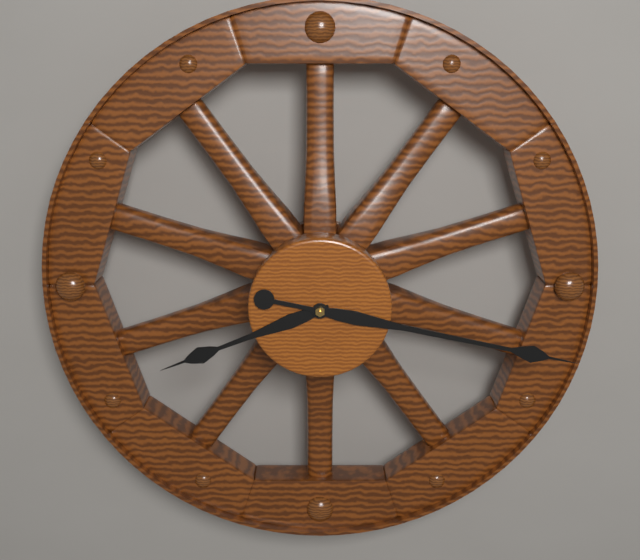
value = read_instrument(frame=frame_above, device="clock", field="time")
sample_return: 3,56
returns 8,17
